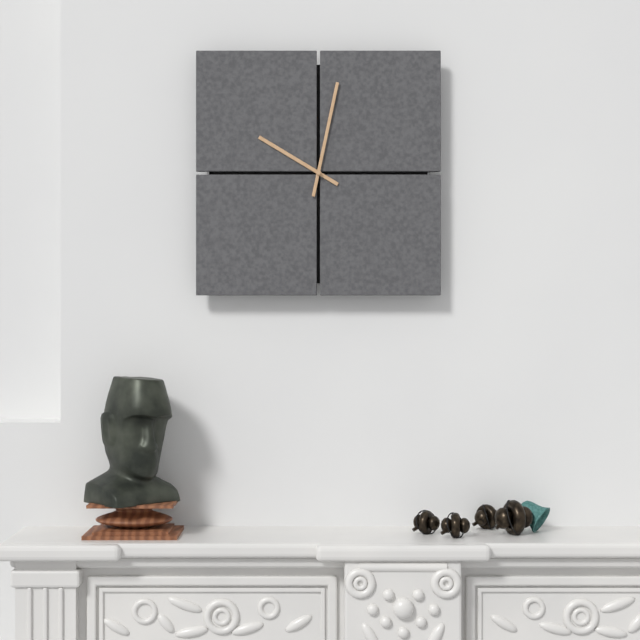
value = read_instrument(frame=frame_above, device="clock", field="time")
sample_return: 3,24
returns 10,02
